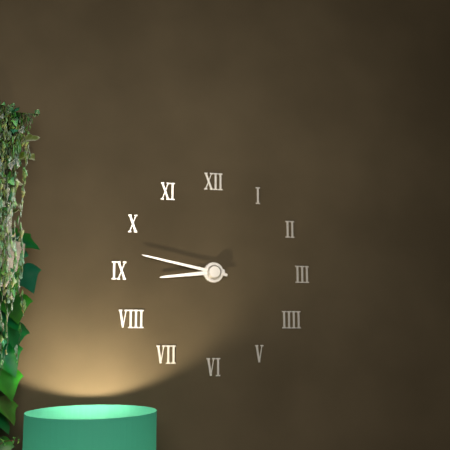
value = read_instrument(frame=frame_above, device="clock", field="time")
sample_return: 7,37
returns 8,47
